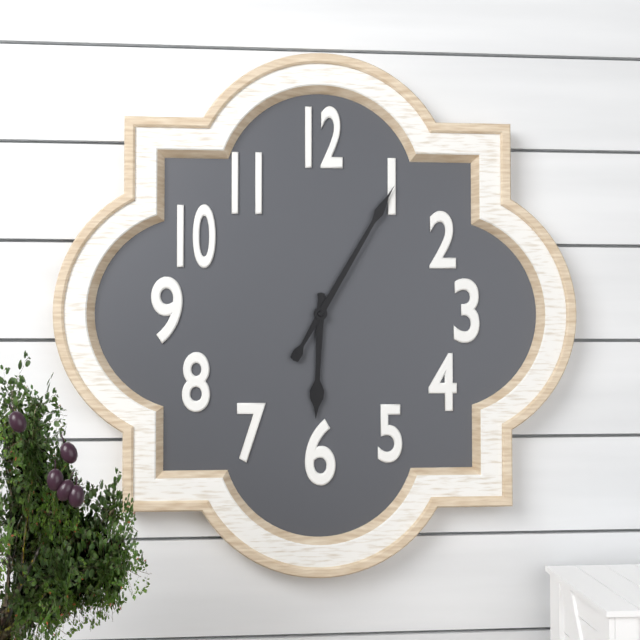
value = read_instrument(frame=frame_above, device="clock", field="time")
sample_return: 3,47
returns 6,05
